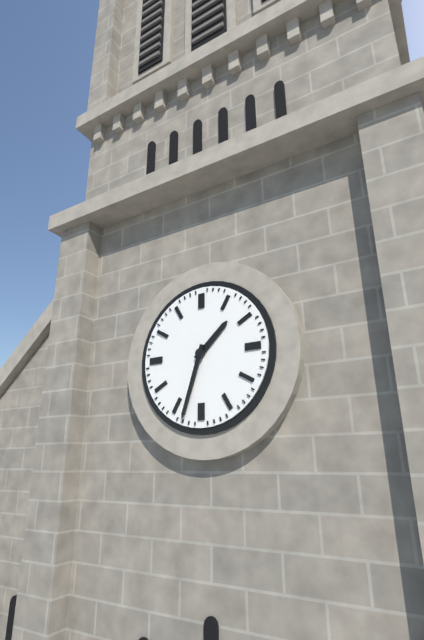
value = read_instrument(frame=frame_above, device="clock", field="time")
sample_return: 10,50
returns 1,33
